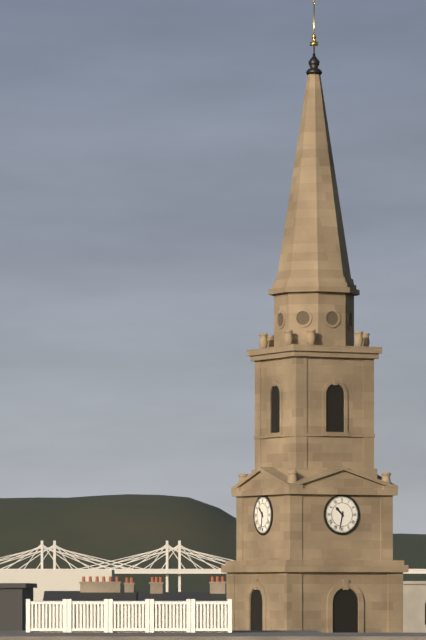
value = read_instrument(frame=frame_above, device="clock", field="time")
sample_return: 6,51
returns 10,32
